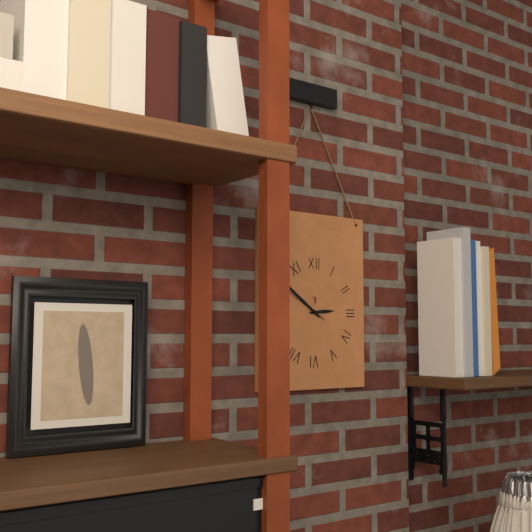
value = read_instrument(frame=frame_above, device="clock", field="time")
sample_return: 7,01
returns 2,51
